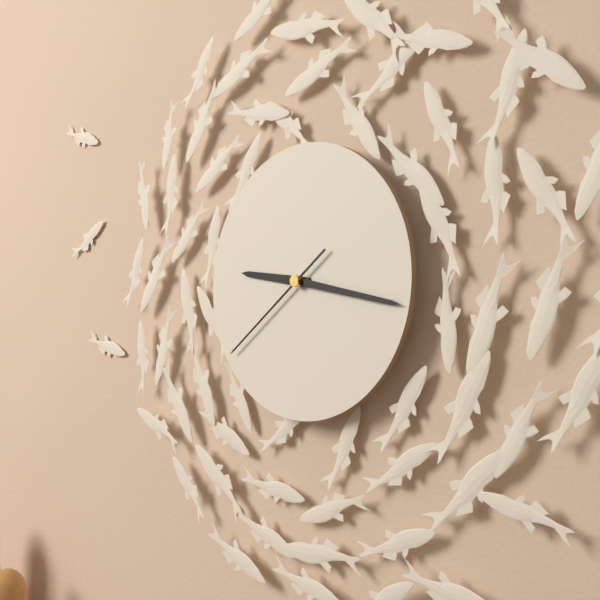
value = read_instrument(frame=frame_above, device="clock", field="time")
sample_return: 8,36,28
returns 9,17,39
